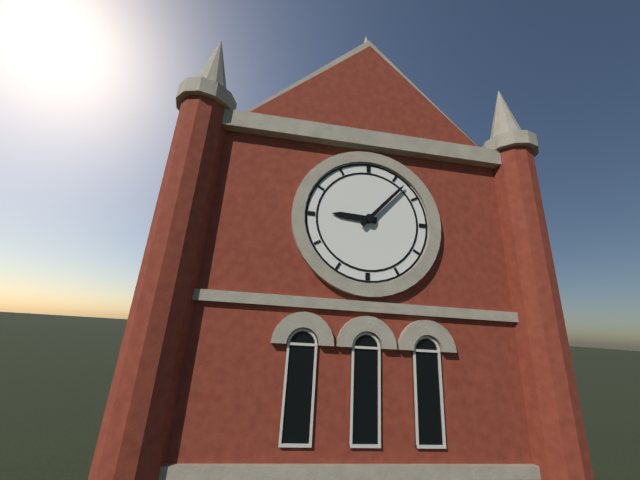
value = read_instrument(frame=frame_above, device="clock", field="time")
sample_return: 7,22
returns 9,07
